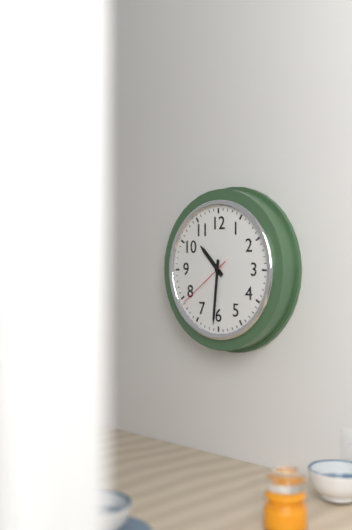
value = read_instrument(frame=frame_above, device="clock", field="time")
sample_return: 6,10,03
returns 10,31,39
